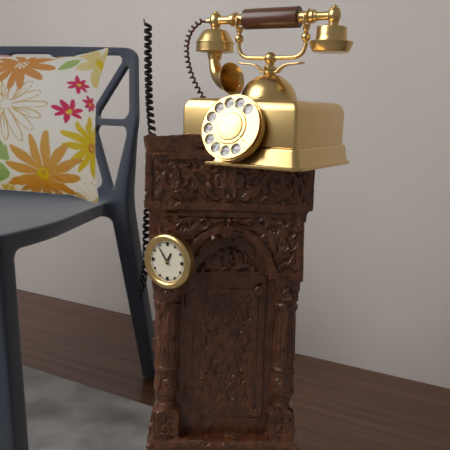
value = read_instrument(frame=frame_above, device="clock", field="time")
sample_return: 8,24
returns 12,54
